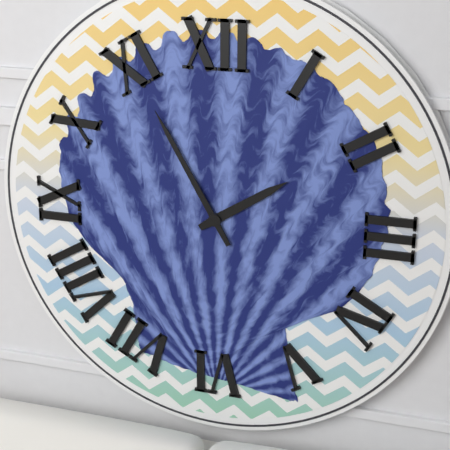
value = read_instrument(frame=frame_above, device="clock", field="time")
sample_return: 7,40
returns 1,55
